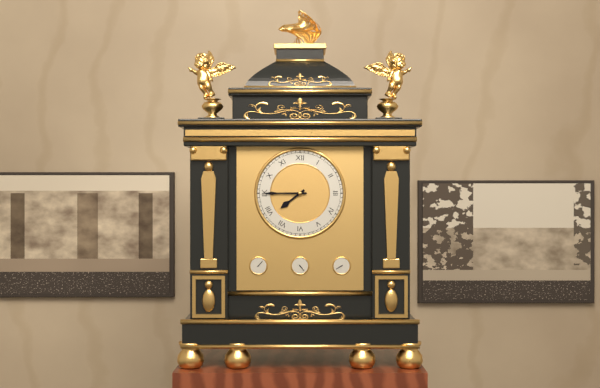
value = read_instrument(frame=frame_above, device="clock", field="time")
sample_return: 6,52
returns 7,45
